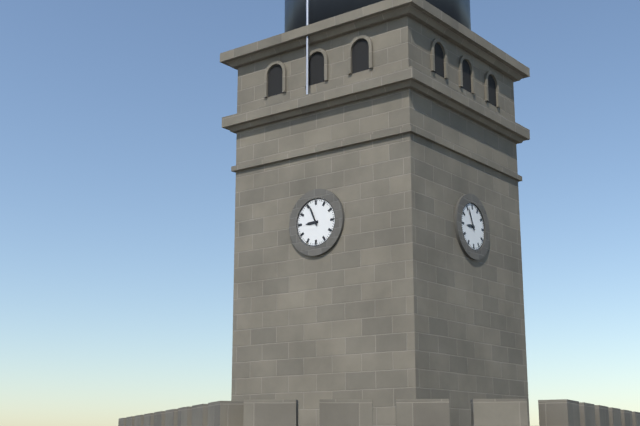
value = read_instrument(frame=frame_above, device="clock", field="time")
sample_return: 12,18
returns 8,56
